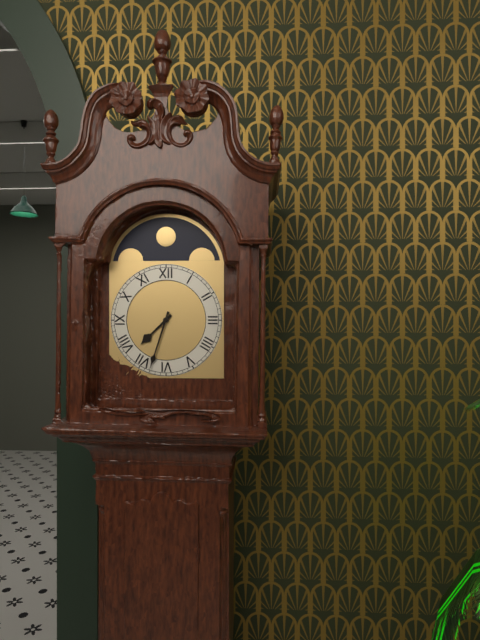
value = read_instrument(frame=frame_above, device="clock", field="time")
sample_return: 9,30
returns 7,33
